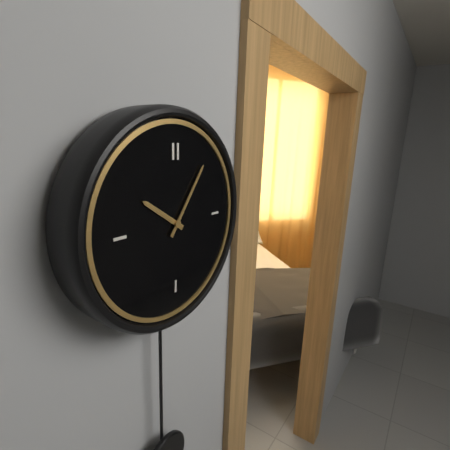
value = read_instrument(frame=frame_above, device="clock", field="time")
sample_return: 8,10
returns 10,06
